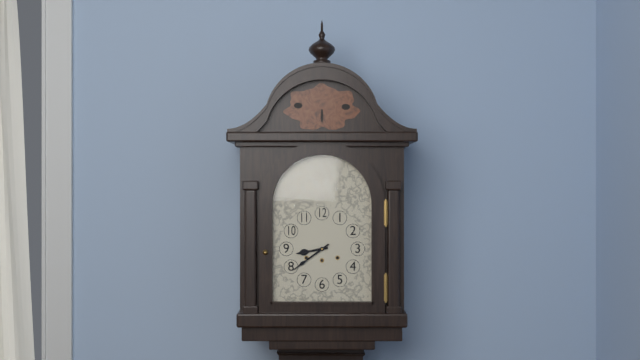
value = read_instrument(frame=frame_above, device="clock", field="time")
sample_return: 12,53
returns 8,39
